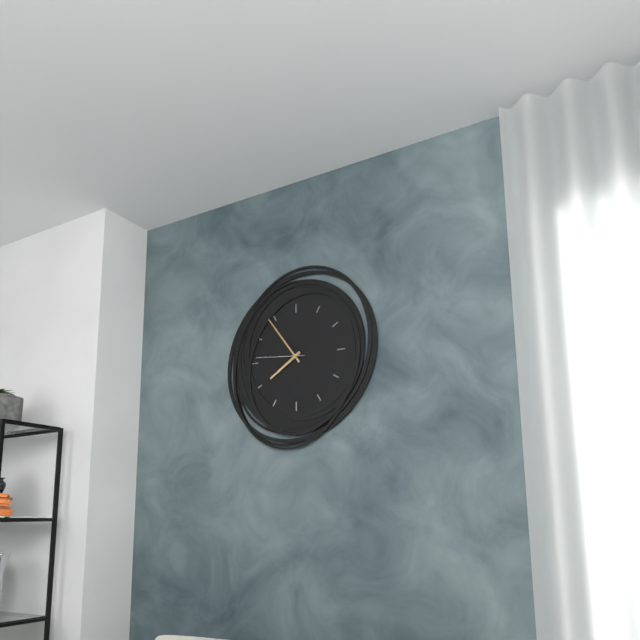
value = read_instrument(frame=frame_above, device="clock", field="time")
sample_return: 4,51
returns 7,54
